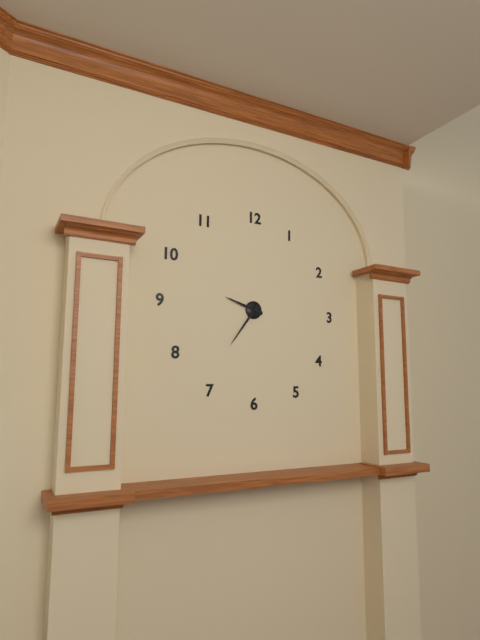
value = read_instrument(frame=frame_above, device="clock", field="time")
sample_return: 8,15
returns 9,36
